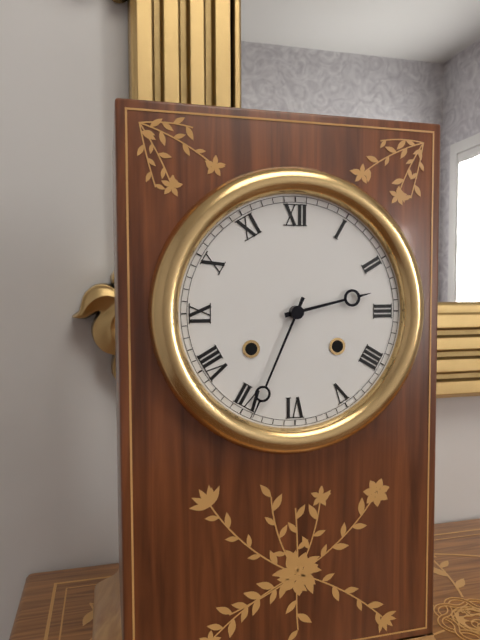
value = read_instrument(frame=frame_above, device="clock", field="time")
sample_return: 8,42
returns 2,34
